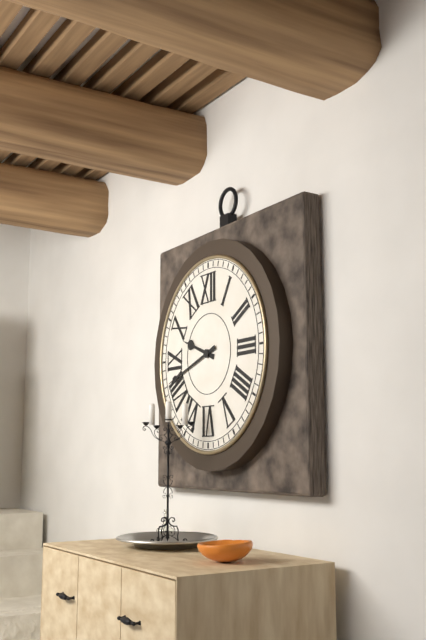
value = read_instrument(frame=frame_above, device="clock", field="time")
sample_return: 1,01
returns 9,42
